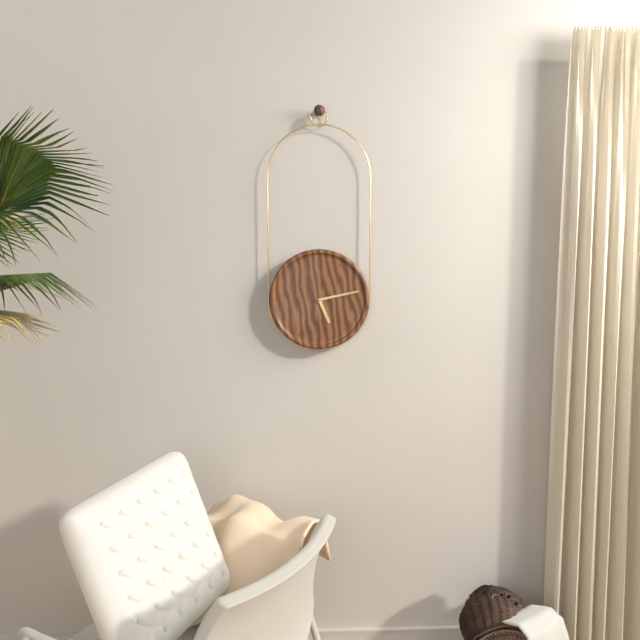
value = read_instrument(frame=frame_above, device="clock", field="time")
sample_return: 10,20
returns 5,13
